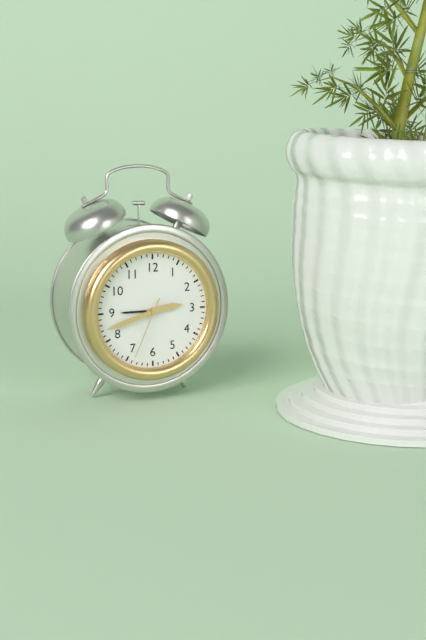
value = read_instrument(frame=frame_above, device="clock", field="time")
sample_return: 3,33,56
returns 2,42,34
